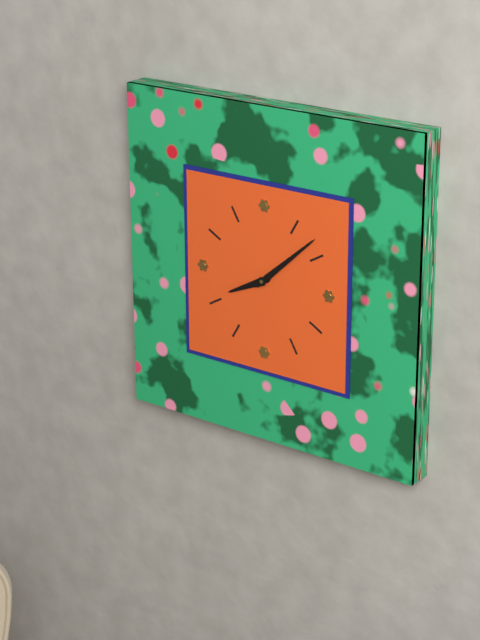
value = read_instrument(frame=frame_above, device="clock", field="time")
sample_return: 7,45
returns 8,08
